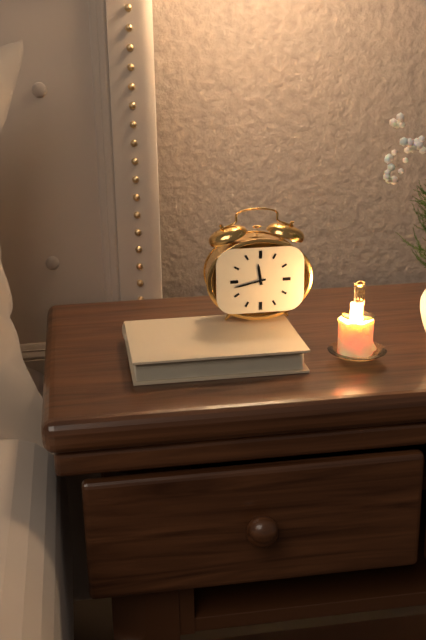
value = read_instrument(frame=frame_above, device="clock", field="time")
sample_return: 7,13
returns 11,43
